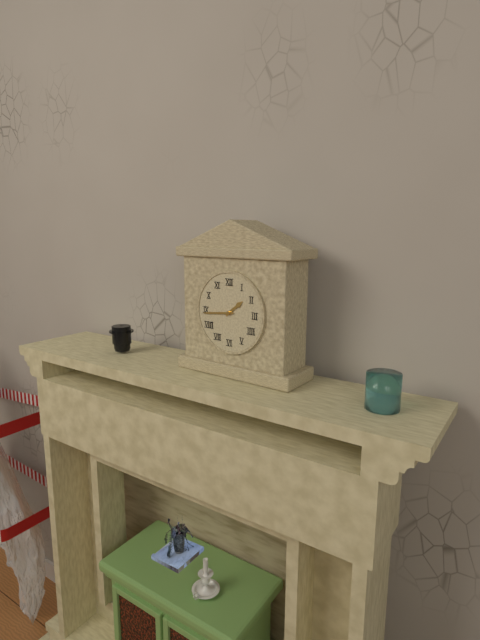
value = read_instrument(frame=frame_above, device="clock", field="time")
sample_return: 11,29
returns 1,44
